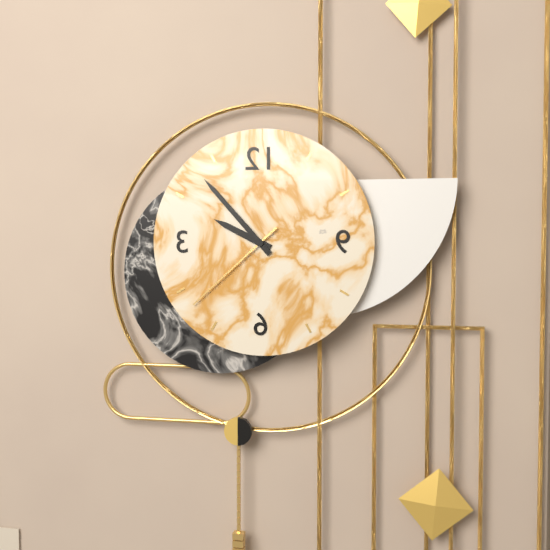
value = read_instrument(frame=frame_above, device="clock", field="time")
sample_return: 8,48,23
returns 9,53,38
